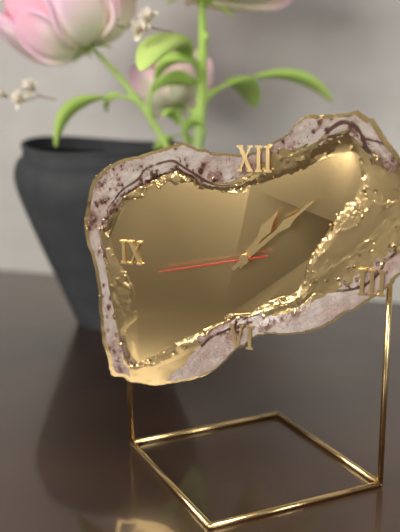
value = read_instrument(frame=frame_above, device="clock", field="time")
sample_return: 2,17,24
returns 1,08,43
